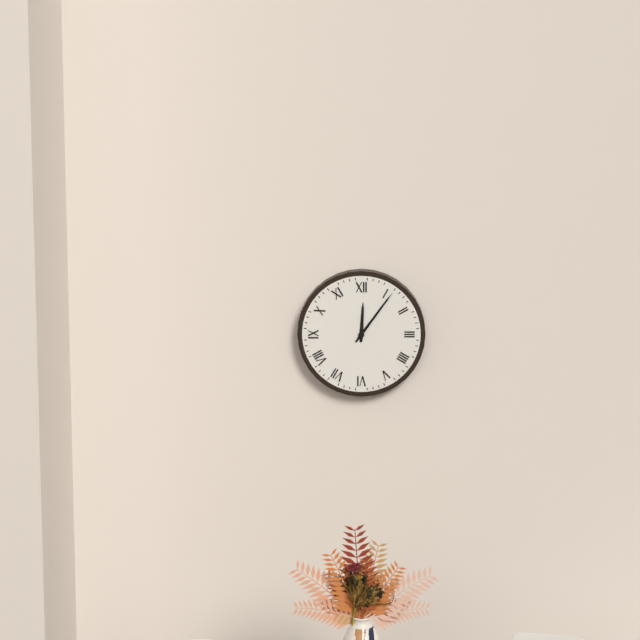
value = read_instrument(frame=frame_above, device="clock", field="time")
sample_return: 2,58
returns 12,06
